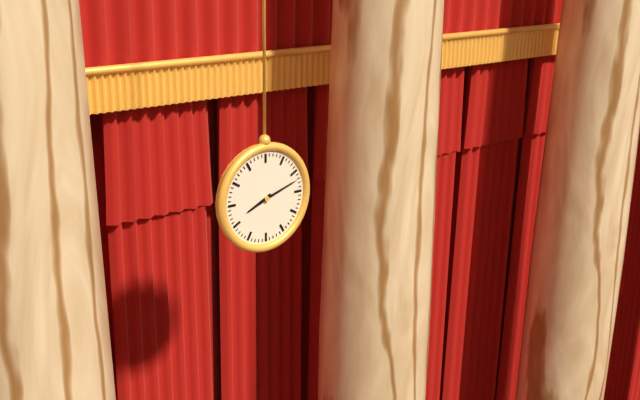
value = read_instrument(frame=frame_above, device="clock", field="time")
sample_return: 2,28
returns 8,12
